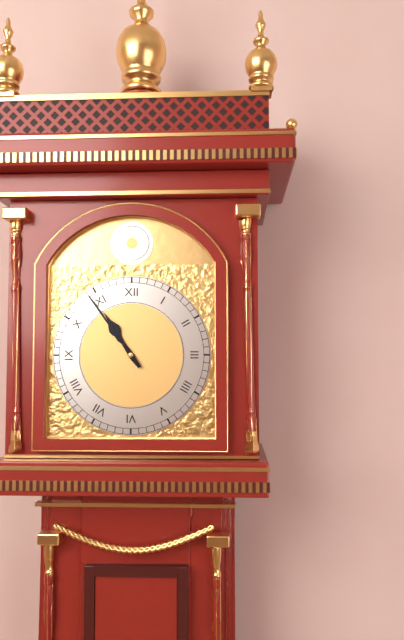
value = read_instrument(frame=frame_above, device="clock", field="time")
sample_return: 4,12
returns 10,54
